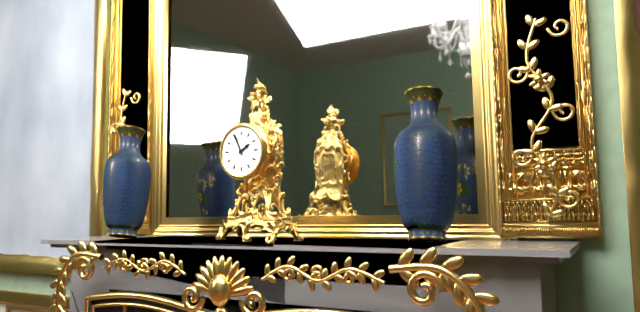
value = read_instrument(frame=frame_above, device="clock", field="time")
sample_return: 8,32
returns 1,56
